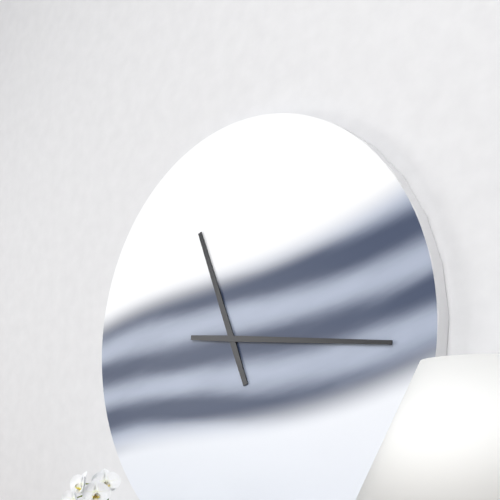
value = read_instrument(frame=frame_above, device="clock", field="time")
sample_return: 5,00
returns 11,16
